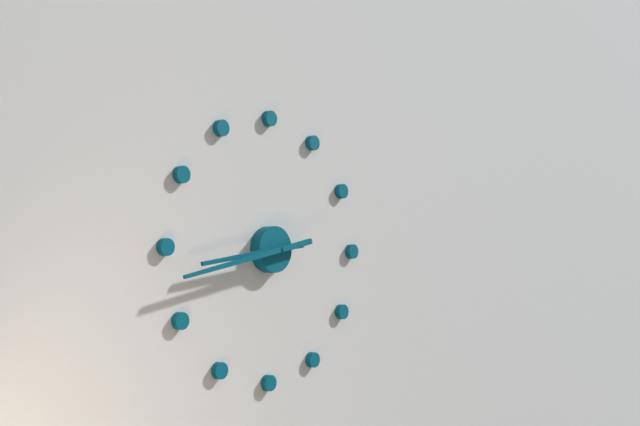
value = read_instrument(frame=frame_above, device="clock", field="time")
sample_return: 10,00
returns 8,43
